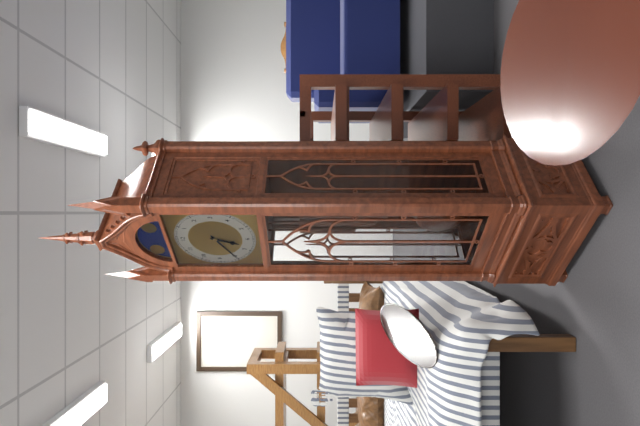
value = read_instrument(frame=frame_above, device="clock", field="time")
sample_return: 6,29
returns 6,40
